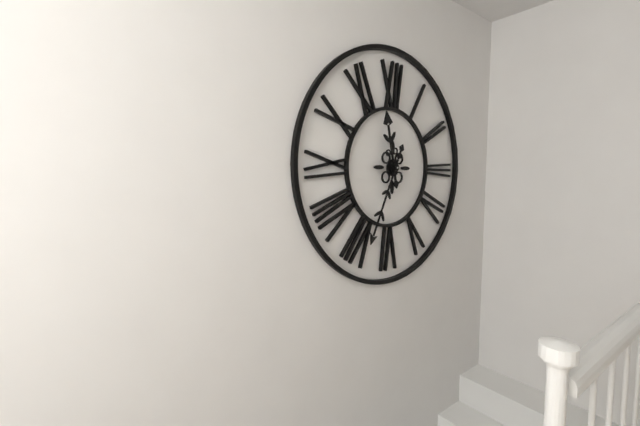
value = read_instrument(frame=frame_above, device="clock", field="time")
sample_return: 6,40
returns 11,34
